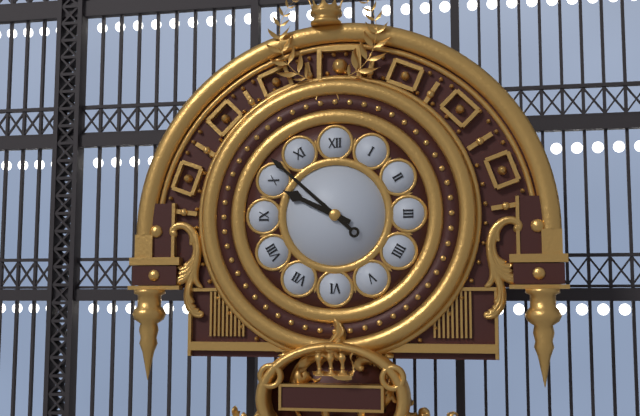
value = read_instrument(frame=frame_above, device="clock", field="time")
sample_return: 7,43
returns 9,52
